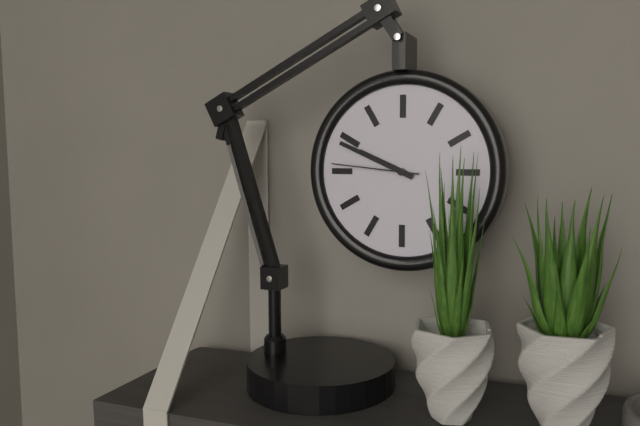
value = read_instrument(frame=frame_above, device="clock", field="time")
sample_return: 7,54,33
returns 9,49,46
